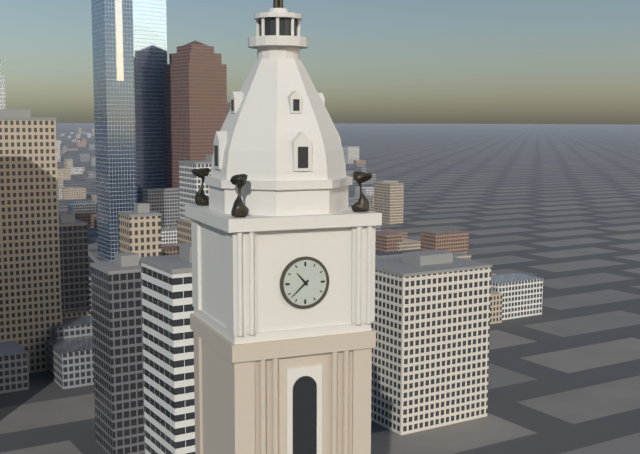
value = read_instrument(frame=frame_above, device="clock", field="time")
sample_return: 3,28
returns 10,38
